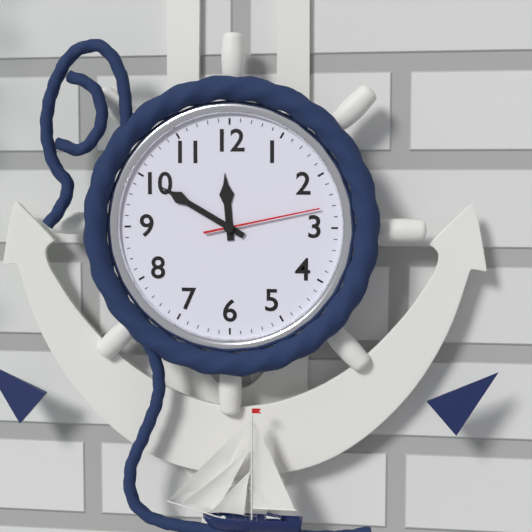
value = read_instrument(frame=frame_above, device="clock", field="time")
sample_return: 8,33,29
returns 11,50,13
